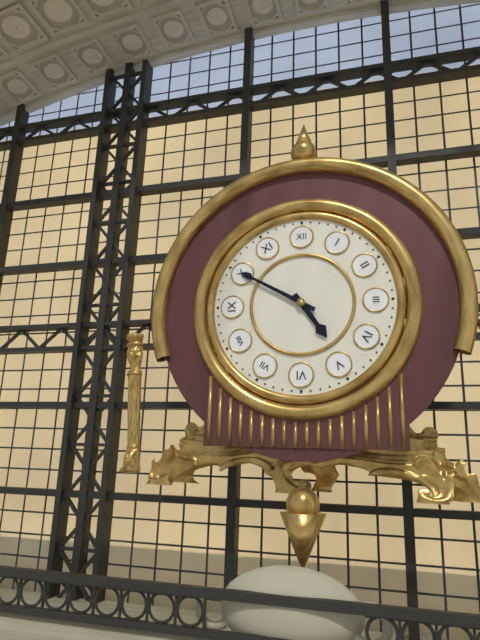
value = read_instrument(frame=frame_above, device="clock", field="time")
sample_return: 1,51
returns 4,50
